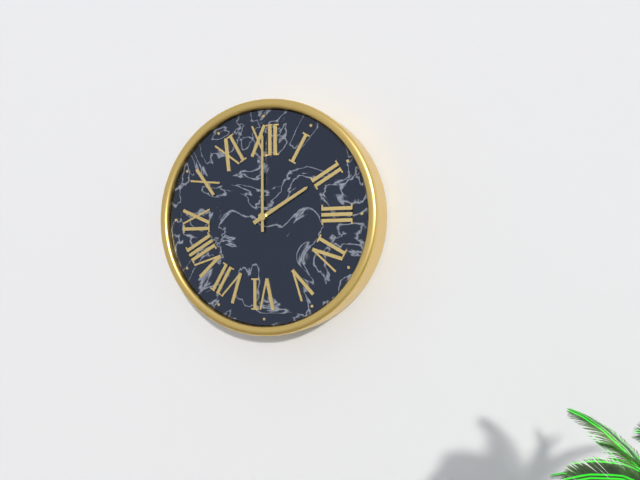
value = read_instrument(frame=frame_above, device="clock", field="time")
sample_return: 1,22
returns 2,00
